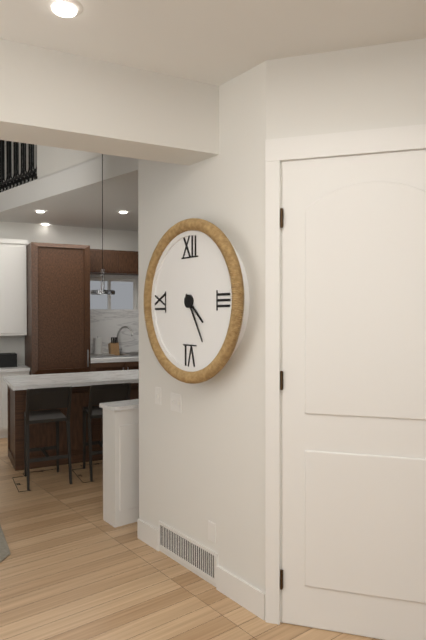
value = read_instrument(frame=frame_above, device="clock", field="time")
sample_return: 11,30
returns 4,25
